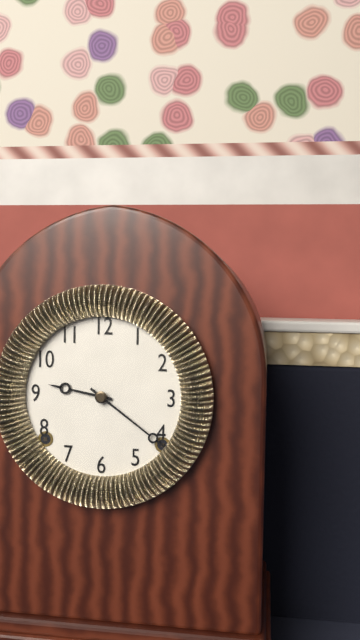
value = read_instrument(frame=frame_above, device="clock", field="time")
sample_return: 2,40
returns 9,21
